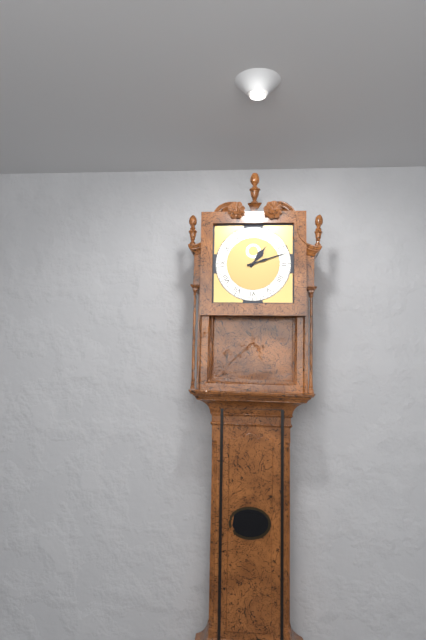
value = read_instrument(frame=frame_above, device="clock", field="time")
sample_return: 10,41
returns 1,12
